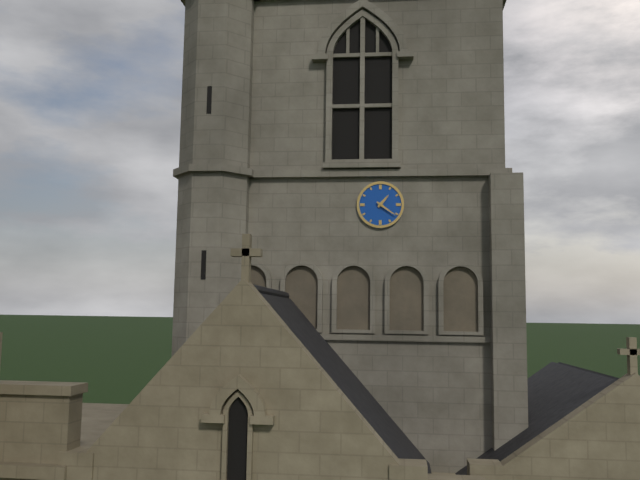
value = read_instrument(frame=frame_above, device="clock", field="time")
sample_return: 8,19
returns 1,21
